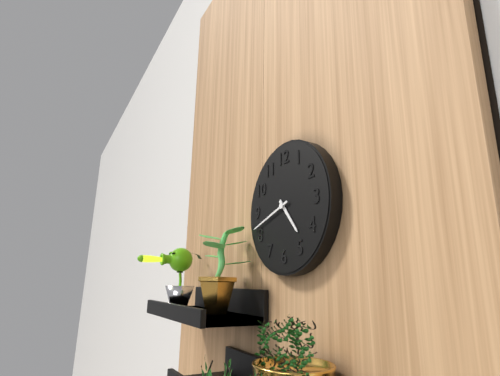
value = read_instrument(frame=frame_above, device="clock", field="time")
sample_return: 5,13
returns 4,42
